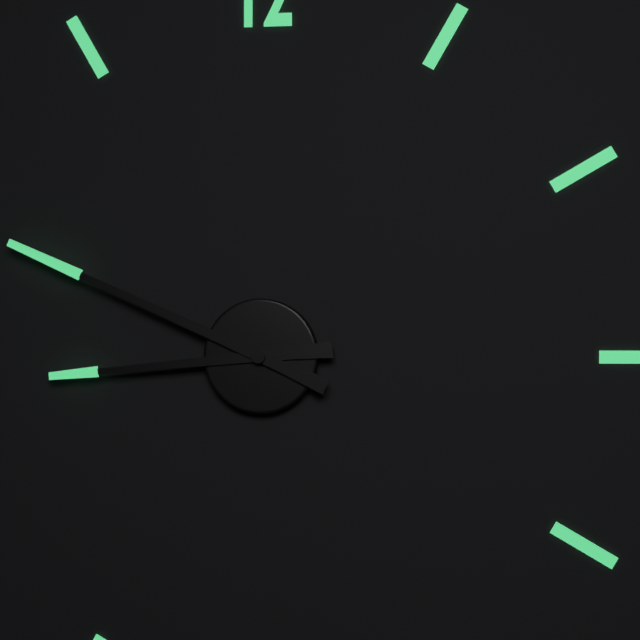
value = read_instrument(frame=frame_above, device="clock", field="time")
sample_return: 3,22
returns 8,49
